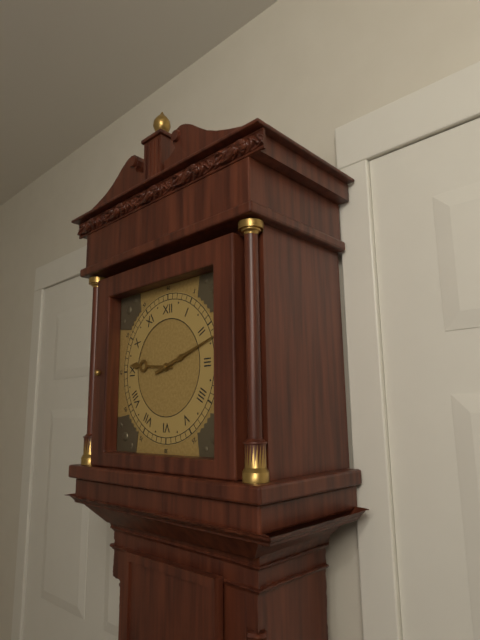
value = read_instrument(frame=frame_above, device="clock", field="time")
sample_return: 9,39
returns 9,12
